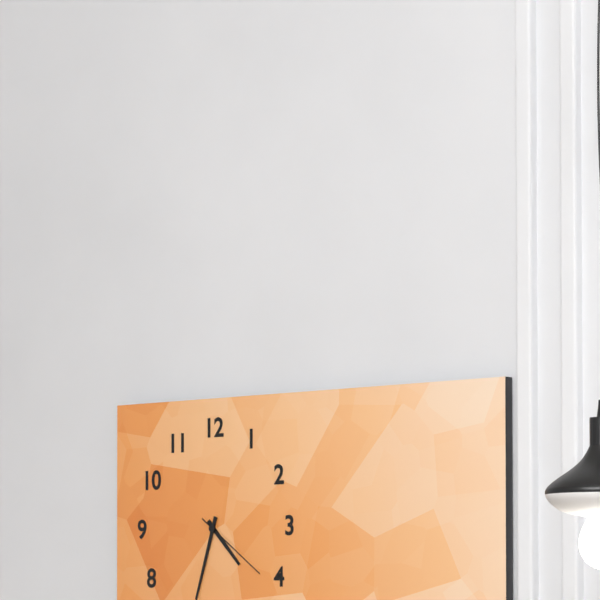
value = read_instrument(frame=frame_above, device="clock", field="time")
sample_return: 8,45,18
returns 4,33,21
